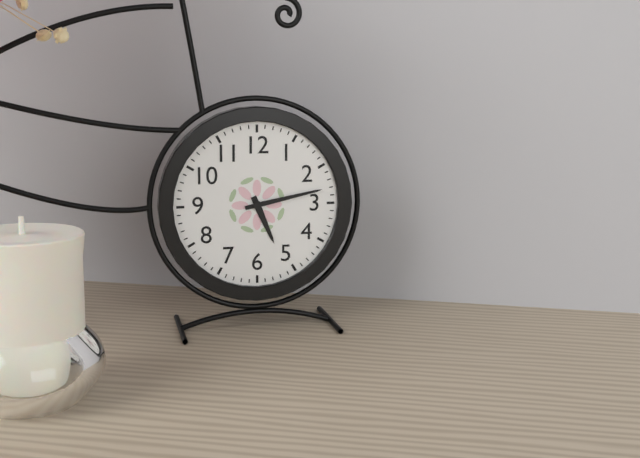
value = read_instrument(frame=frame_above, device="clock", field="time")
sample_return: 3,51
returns 5,13
